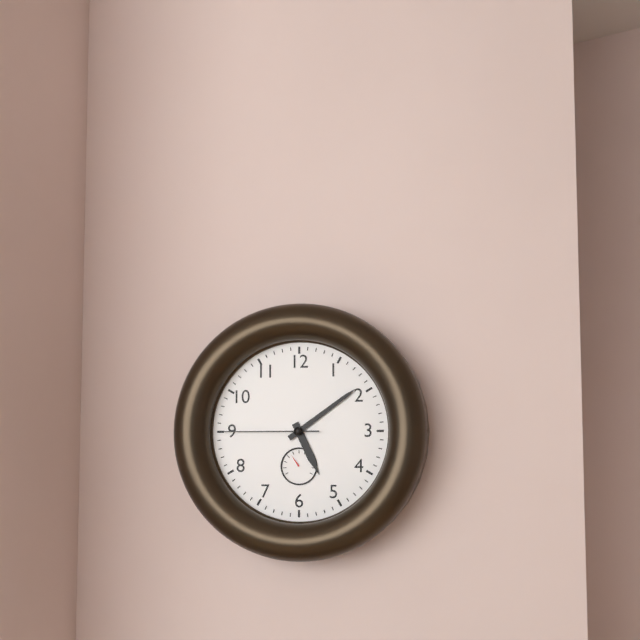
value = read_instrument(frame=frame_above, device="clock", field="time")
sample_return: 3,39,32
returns 5,09,45
